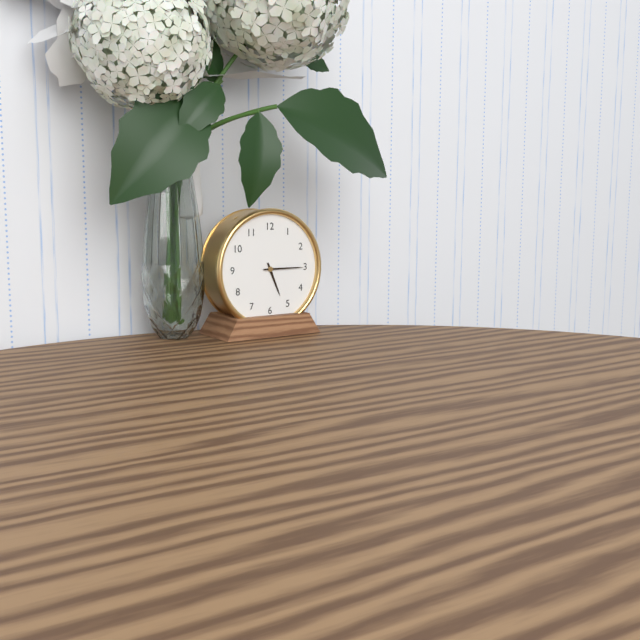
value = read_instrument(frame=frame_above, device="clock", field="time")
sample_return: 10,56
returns 5,15
